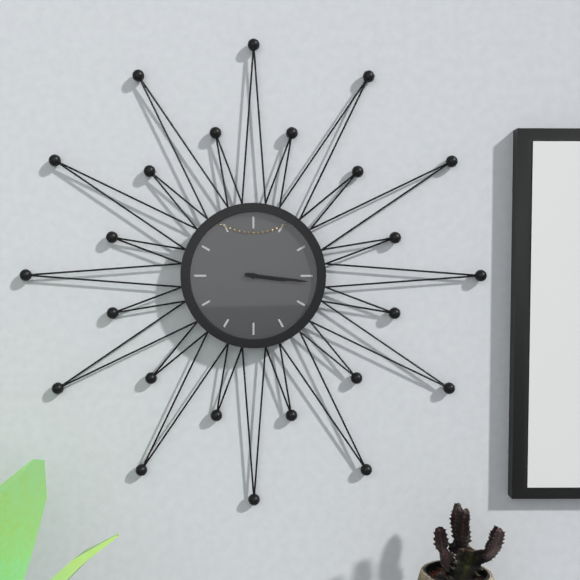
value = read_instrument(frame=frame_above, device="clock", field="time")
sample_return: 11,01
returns 3,16
